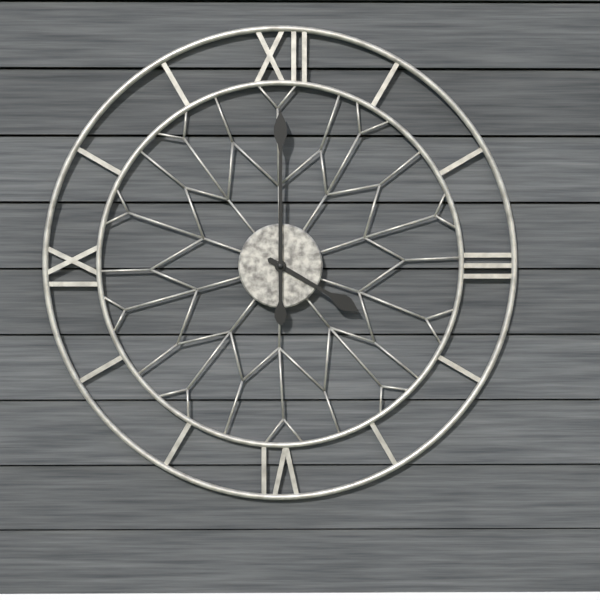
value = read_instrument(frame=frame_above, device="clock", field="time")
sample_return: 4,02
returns 4,00
